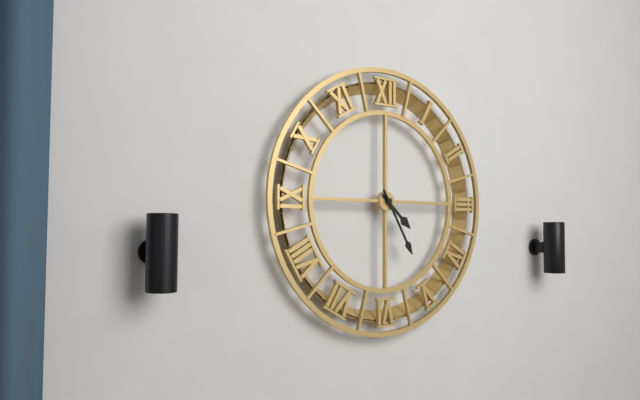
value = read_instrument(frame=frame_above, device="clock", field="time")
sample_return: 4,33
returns 4,25
